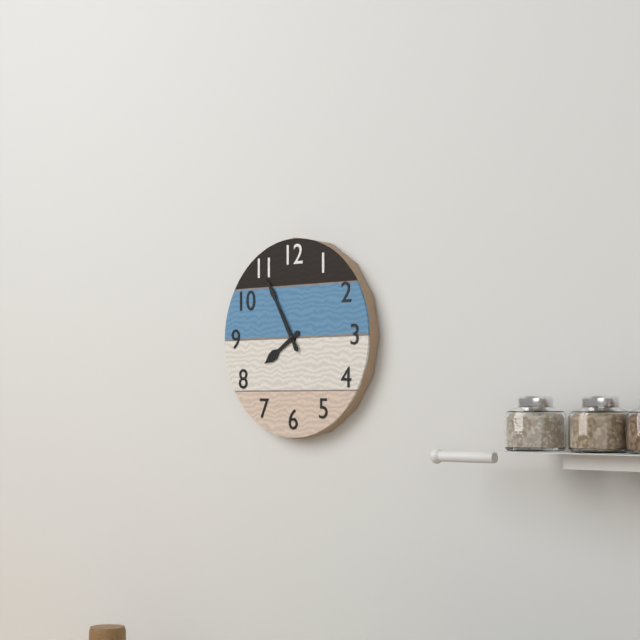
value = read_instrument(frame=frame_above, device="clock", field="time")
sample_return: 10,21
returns 7,55
